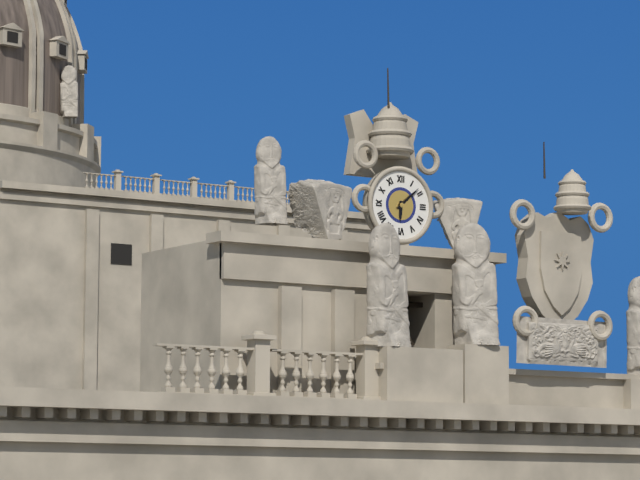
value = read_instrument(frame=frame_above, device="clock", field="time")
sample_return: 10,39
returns 6,08
